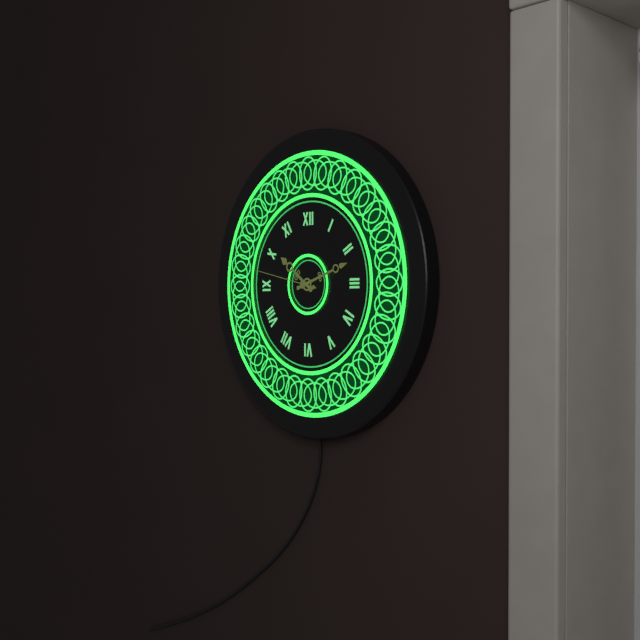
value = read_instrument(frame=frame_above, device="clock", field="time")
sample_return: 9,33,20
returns 10,12,47
